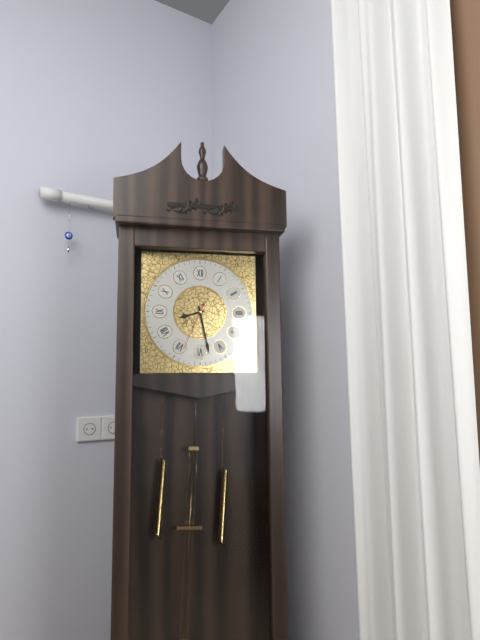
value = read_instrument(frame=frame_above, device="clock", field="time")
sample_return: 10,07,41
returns 8,28,34
